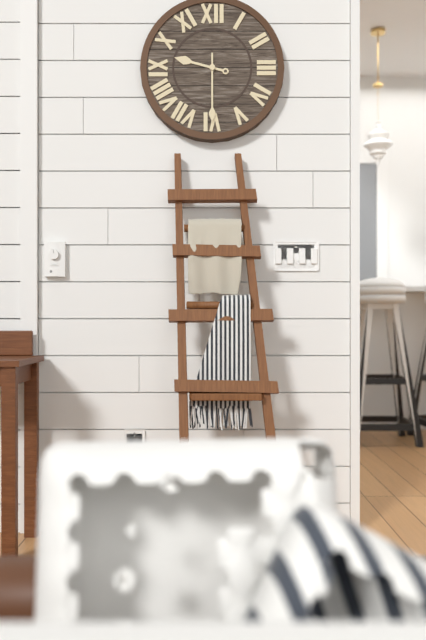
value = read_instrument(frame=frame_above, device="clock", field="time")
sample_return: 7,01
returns 9,30
